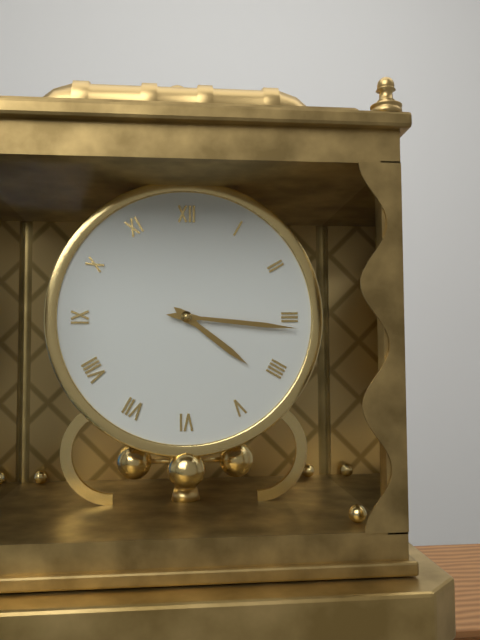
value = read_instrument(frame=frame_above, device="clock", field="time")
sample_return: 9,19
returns 4,16
